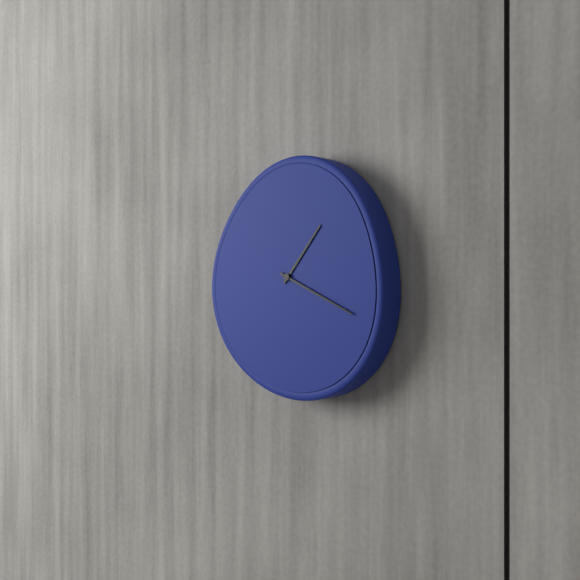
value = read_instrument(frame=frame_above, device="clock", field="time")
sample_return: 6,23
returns 1,19
